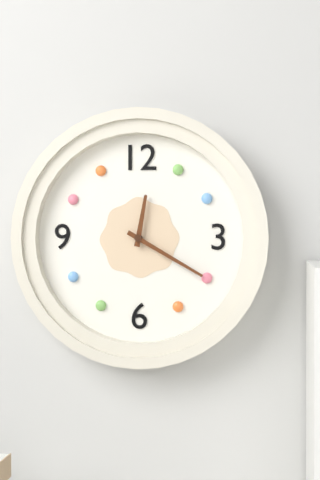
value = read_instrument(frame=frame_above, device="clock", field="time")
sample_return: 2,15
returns 12,20
